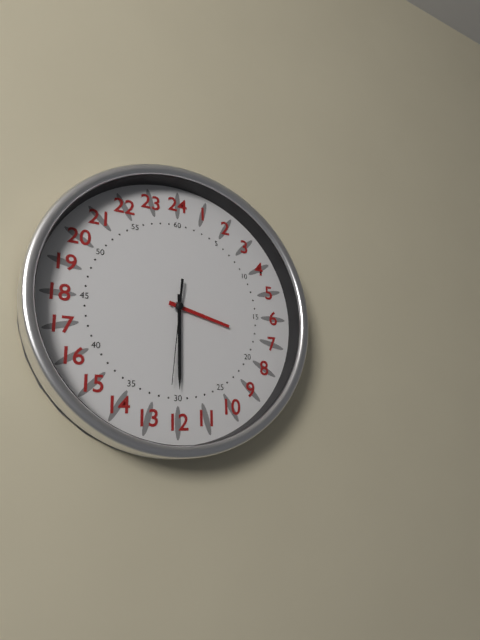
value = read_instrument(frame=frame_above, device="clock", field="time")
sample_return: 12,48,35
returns 3,30,31
